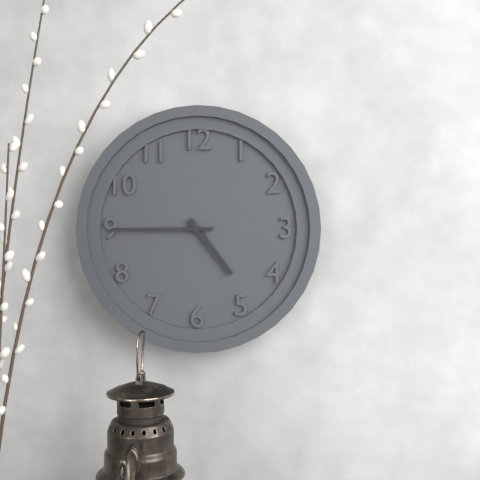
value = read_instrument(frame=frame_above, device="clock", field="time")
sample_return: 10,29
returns 4,45
